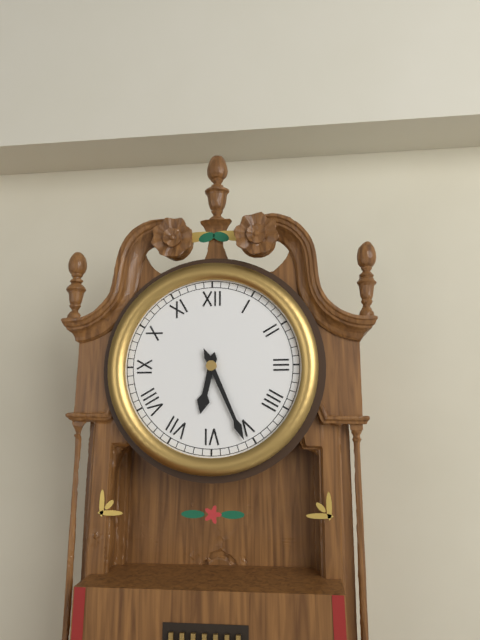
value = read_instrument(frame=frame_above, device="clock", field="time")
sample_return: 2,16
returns 6,26
